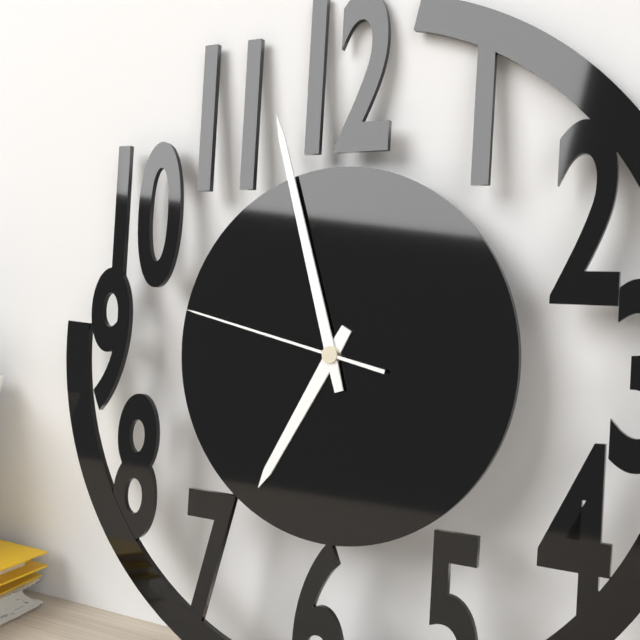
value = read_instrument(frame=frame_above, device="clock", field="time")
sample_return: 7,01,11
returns 6,57,47
